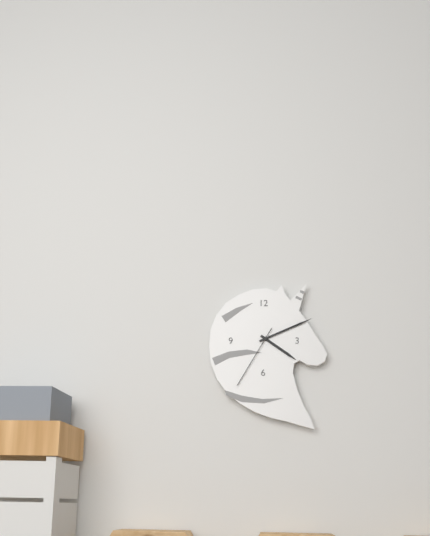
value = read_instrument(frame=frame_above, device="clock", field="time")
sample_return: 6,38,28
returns 4,11,35
